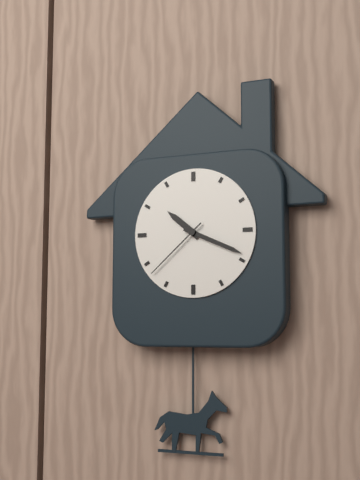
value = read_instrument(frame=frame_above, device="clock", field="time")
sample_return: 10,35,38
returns 10,19,38
